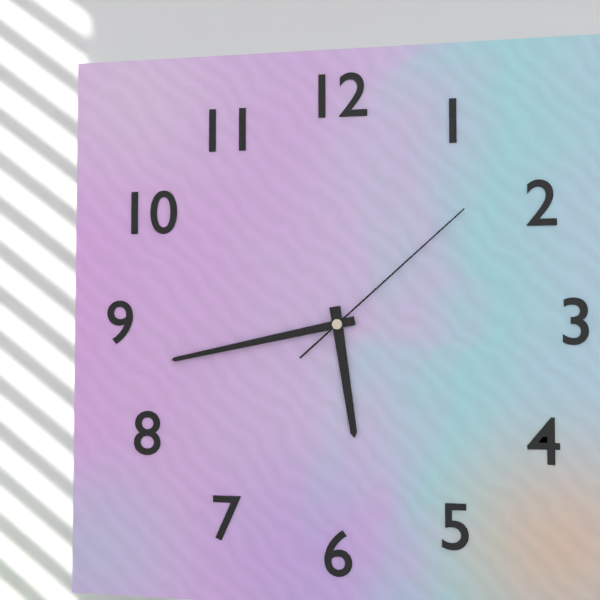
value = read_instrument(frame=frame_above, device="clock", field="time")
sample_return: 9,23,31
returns 5,43,08
